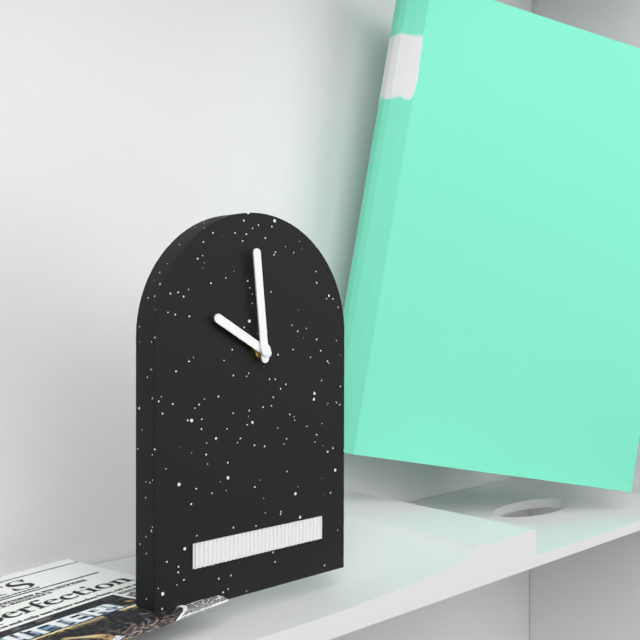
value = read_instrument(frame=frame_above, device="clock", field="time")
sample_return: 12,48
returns 9,59
